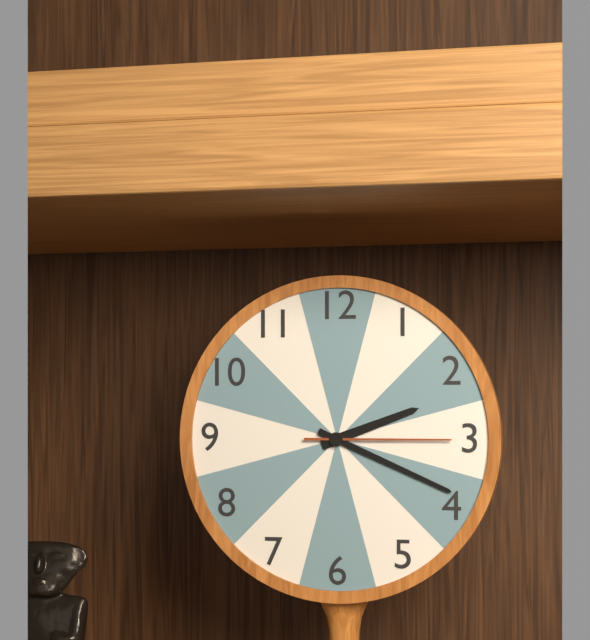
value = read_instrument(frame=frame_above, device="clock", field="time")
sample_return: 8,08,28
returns 2,19,15
